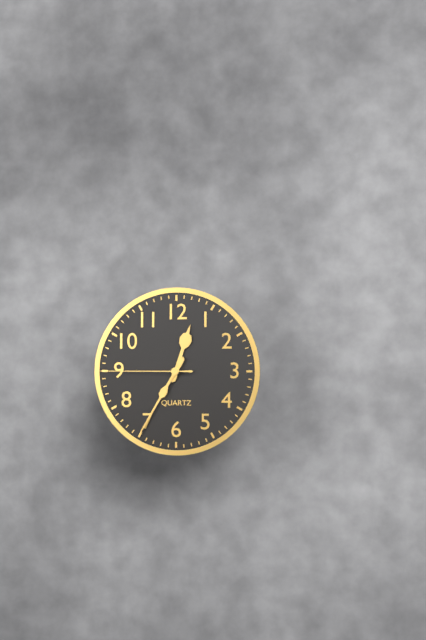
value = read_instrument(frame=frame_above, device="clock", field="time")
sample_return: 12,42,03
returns 12,35,45
